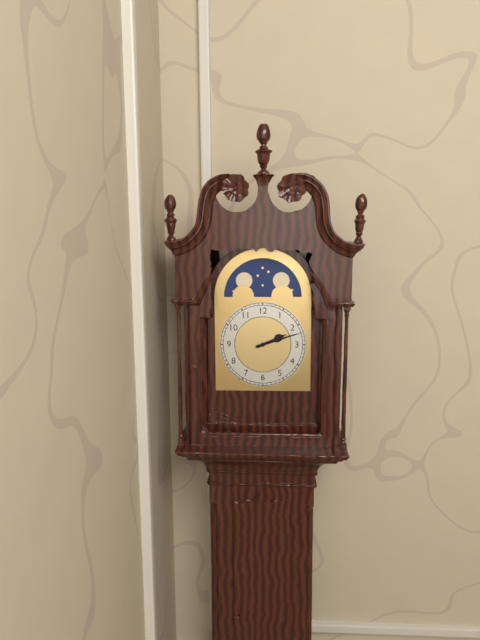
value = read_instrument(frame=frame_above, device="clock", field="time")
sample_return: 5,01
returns 2,12
